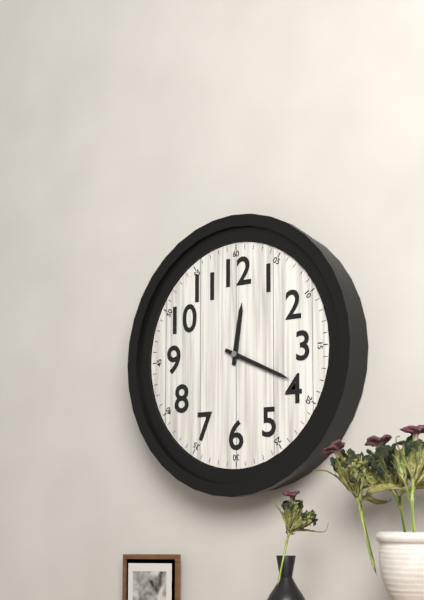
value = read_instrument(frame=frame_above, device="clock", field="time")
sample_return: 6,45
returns 12,19
